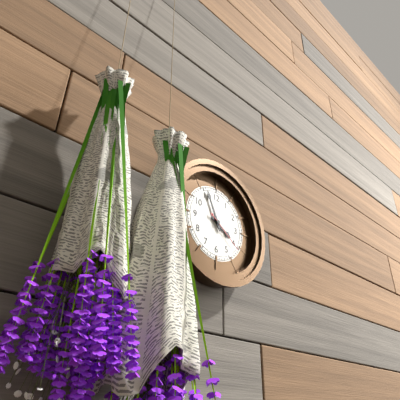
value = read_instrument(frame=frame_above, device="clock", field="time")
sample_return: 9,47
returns 3,56
